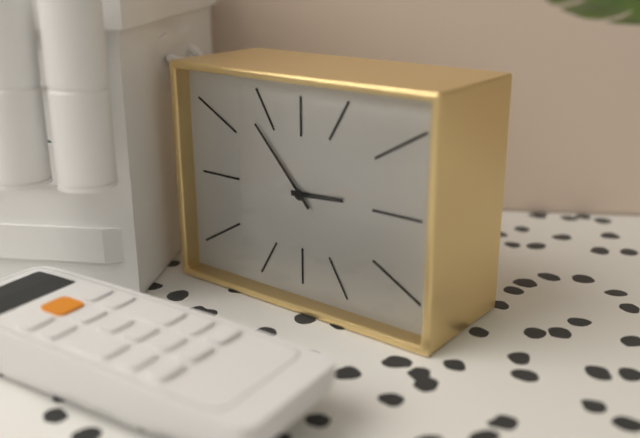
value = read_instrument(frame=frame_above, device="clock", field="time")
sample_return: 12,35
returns 2,53
